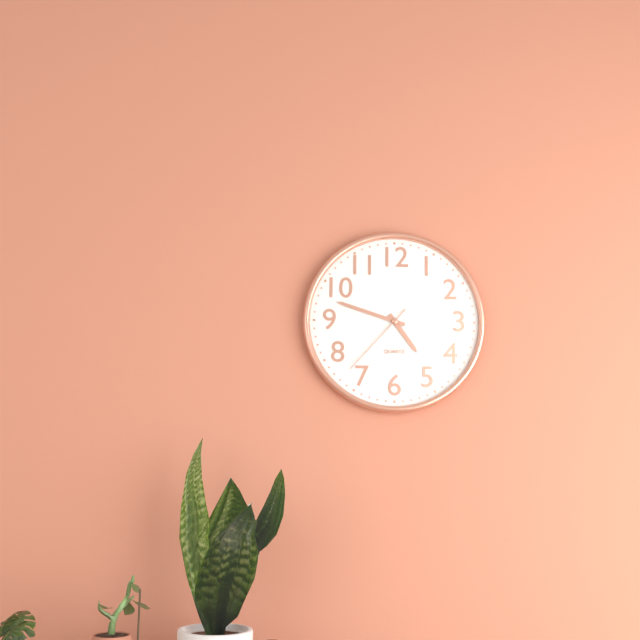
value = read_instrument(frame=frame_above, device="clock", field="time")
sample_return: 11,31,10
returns 4,48,37
